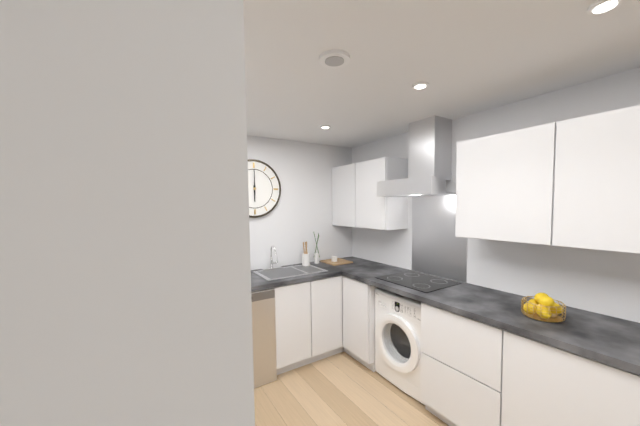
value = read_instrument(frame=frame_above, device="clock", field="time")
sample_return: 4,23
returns 6,00
